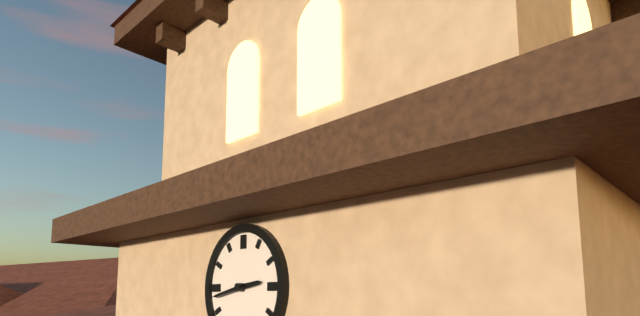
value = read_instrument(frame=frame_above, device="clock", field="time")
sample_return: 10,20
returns 2,43
